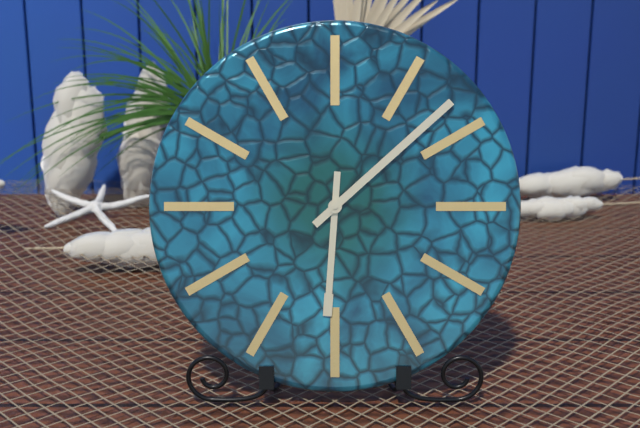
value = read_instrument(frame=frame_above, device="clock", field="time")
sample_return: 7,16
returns 6,08
